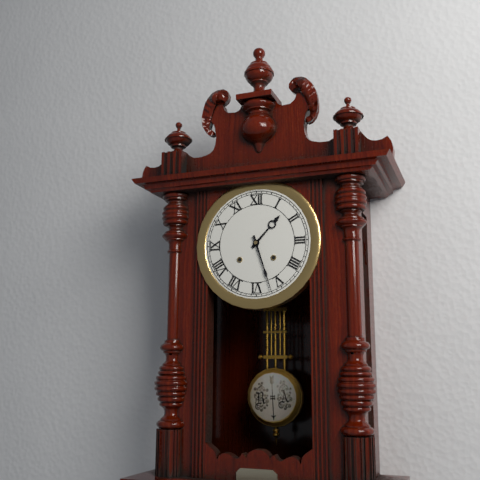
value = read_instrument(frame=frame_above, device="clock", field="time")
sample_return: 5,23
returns 1,27
